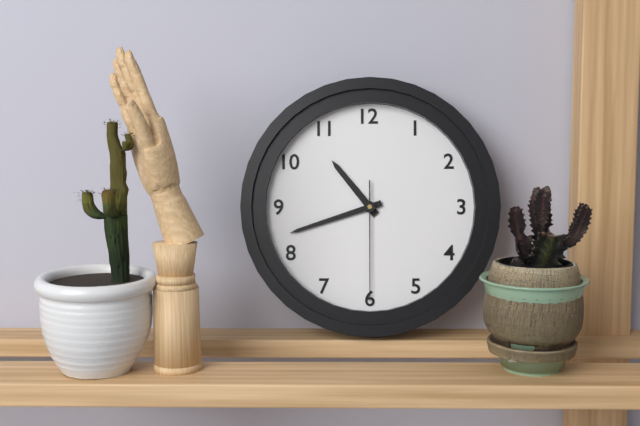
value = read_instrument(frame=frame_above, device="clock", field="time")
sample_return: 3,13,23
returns 10,42,30
